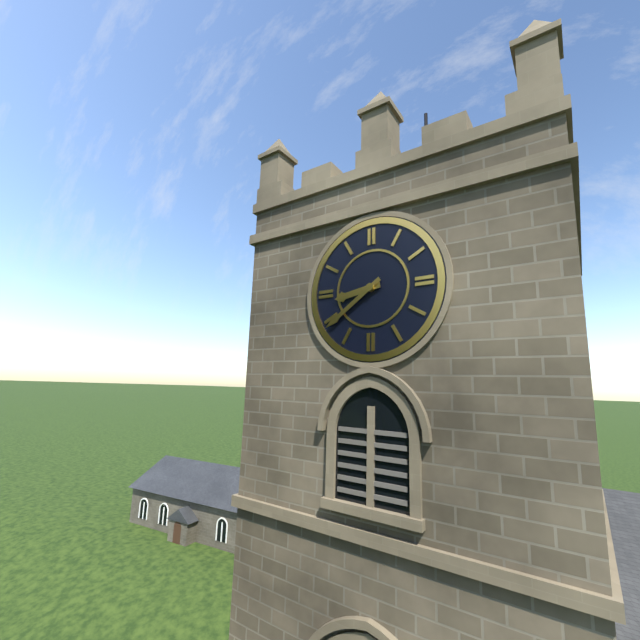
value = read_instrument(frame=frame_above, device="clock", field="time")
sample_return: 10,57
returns 8,39
